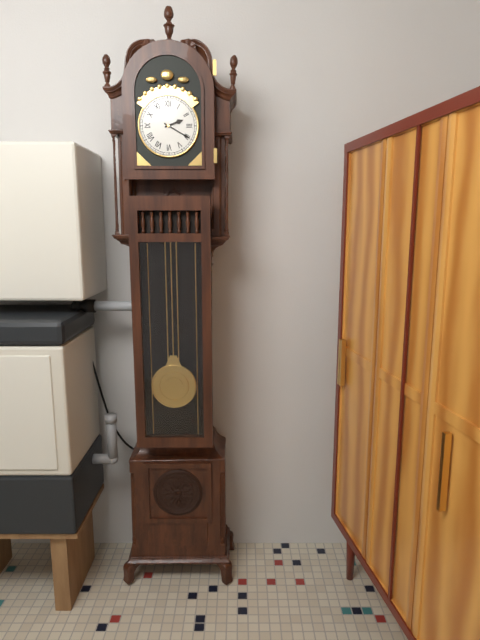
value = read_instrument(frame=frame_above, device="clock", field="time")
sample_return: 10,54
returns 2,20
